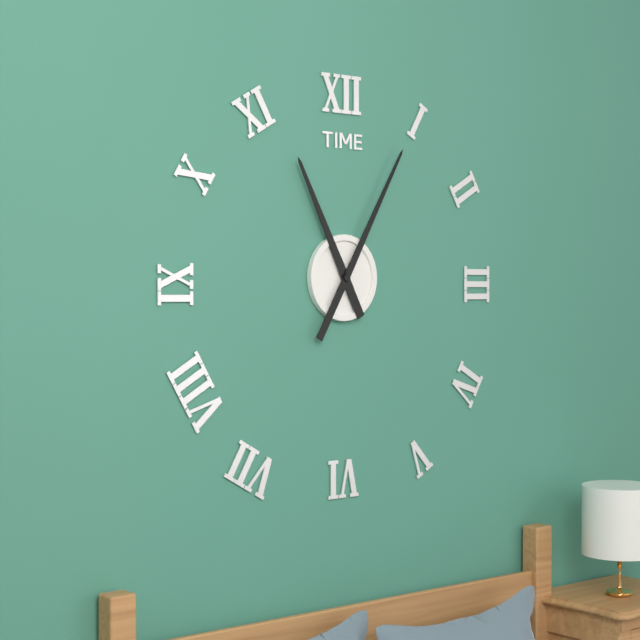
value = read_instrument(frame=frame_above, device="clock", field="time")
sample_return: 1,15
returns 11,05
